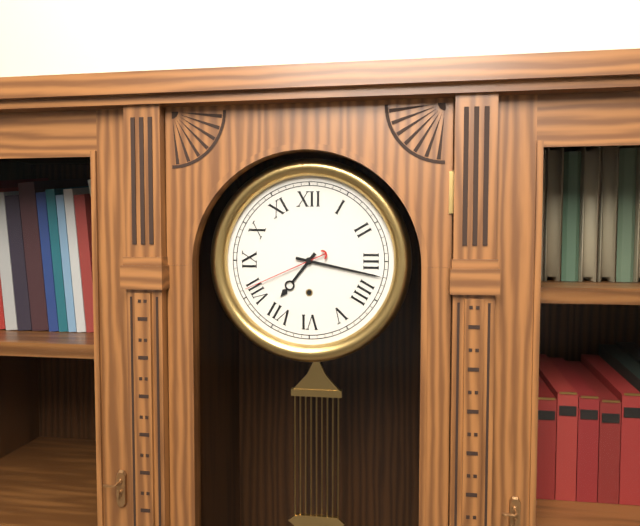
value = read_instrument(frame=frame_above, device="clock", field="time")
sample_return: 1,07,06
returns 7,17,41
